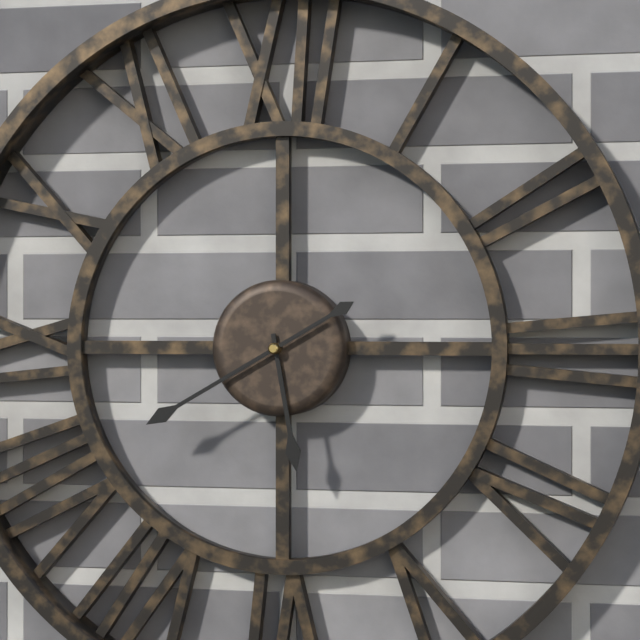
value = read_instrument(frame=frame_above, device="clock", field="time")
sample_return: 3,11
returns 5,40
